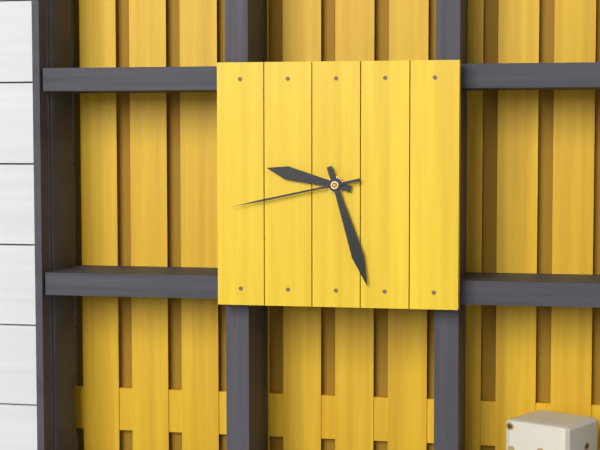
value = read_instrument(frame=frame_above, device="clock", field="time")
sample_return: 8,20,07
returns 9,27,43
